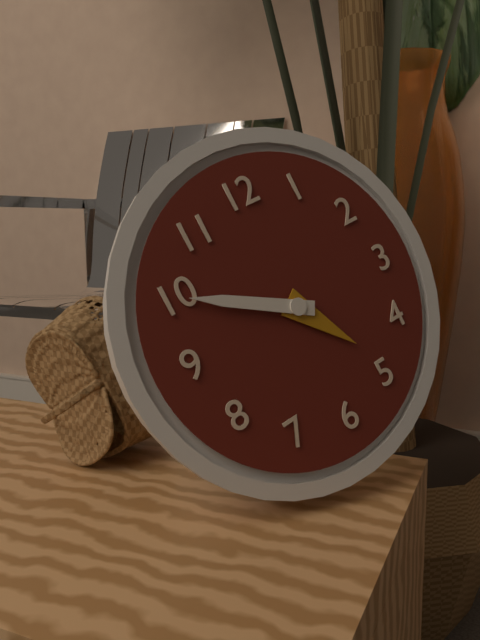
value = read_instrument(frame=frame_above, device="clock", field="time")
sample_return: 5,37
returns 4,50
